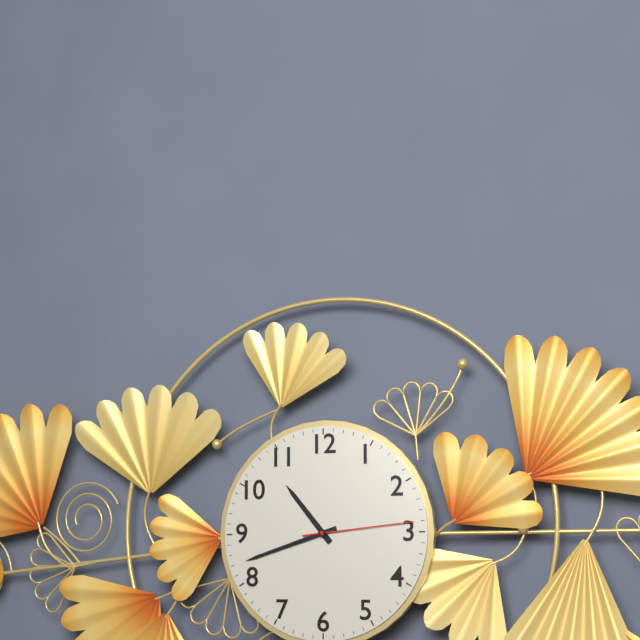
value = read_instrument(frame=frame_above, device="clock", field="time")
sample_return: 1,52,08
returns 10,42,14
